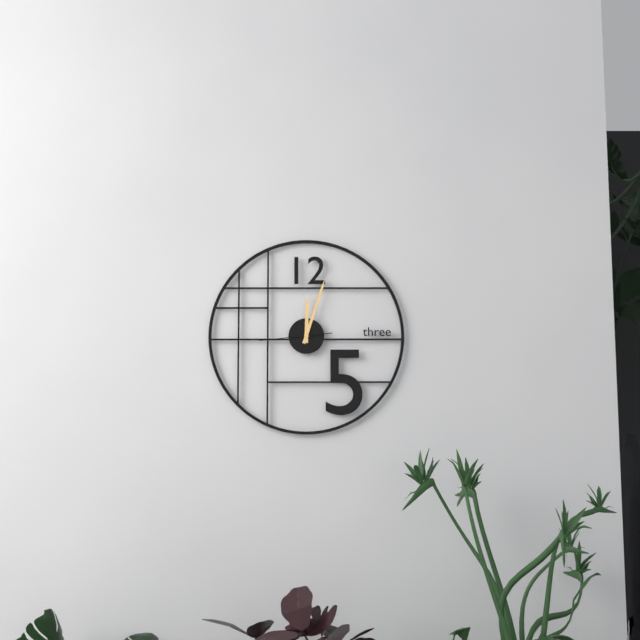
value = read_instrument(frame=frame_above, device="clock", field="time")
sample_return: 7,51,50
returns 12,03,44
